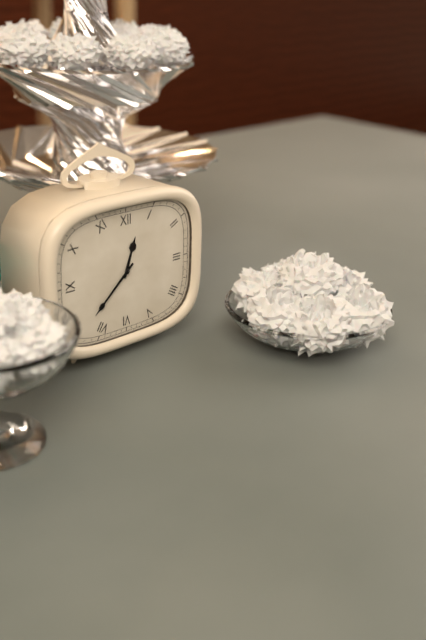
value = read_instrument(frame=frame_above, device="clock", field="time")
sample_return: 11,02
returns 12,38
